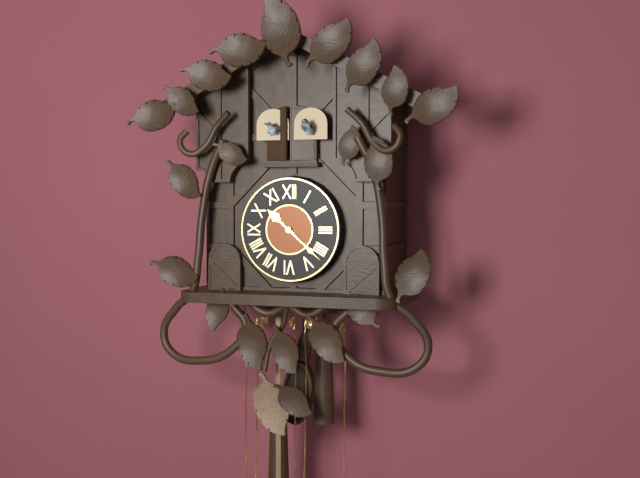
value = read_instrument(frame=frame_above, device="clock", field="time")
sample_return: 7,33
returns 10,22
